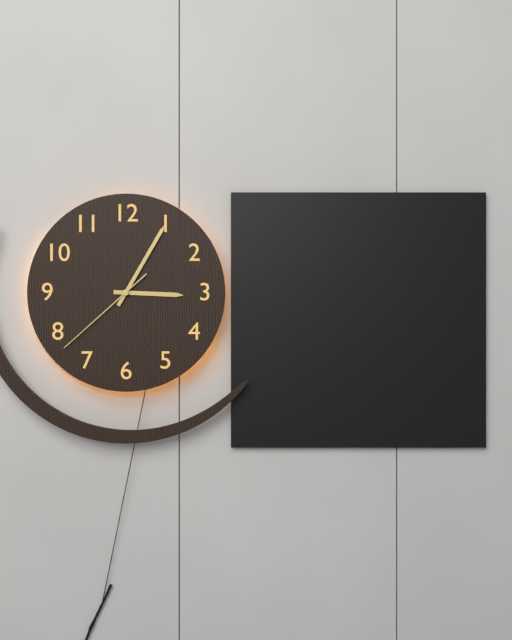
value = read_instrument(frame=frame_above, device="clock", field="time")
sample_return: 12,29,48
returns 3,05,38
